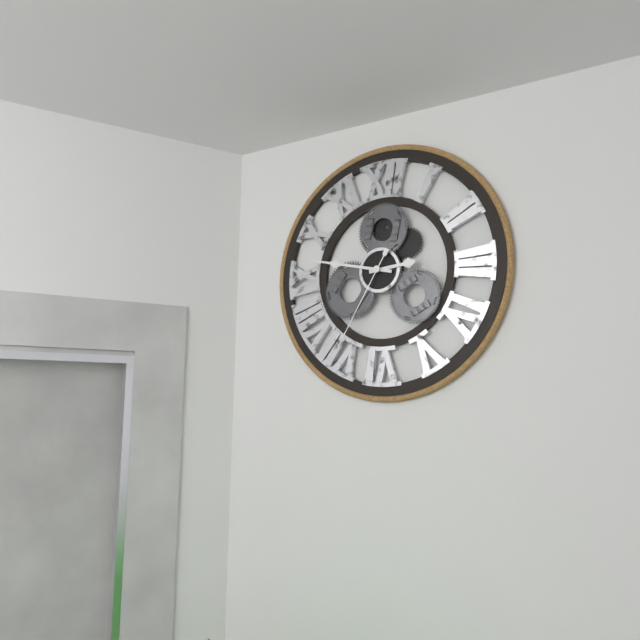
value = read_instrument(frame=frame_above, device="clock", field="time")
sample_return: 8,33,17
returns 2,47,35
